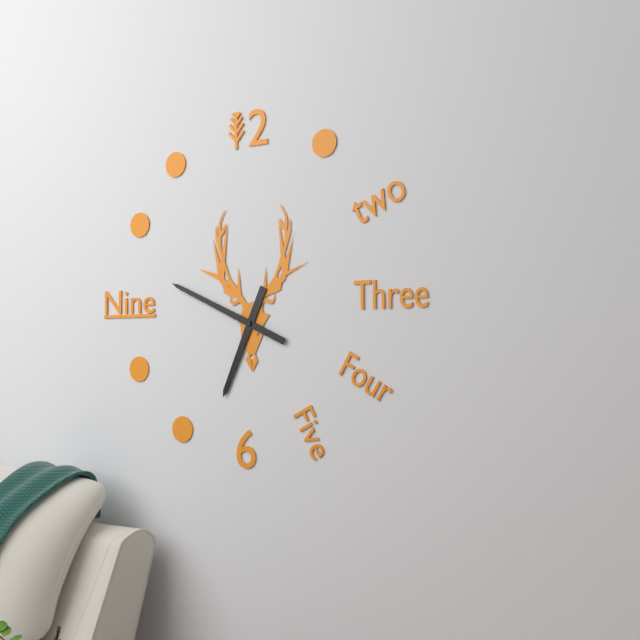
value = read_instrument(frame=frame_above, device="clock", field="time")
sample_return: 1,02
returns 6,49
